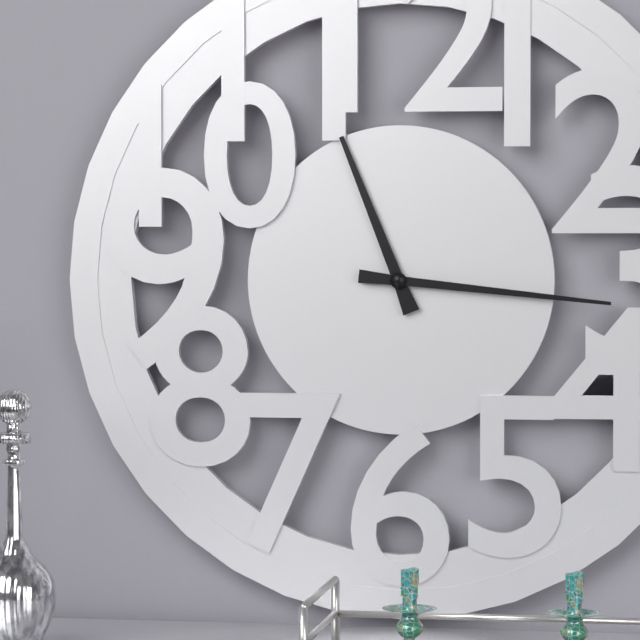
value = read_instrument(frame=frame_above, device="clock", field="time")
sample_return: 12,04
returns 11,16
